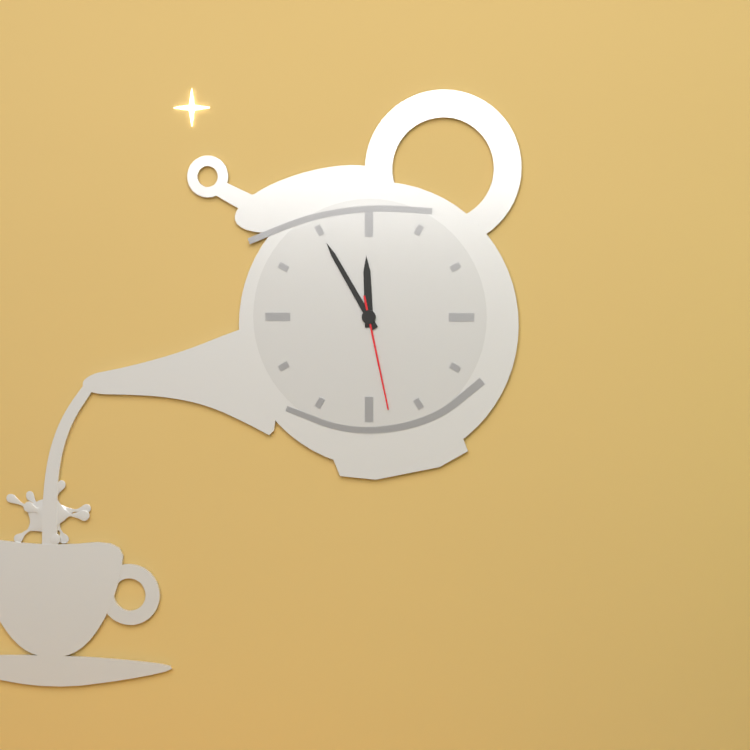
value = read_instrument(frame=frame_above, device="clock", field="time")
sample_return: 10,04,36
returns 11,55,28
